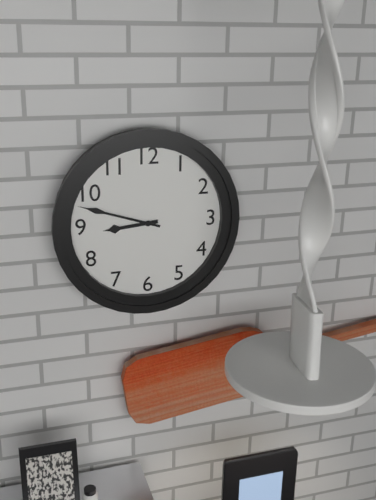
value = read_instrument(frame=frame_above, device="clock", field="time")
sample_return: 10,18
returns 8,48
